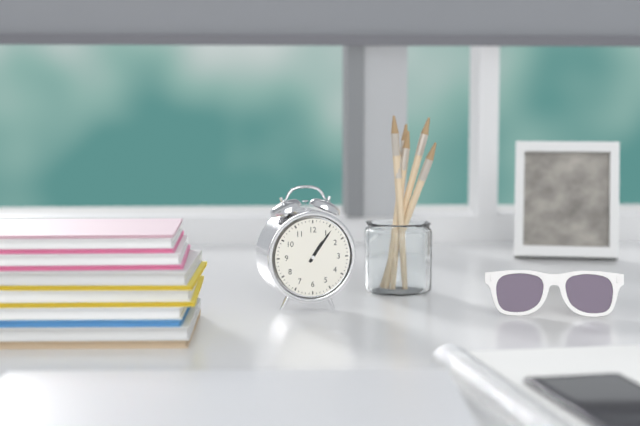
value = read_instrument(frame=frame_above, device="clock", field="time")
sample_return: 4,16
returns 1,06
